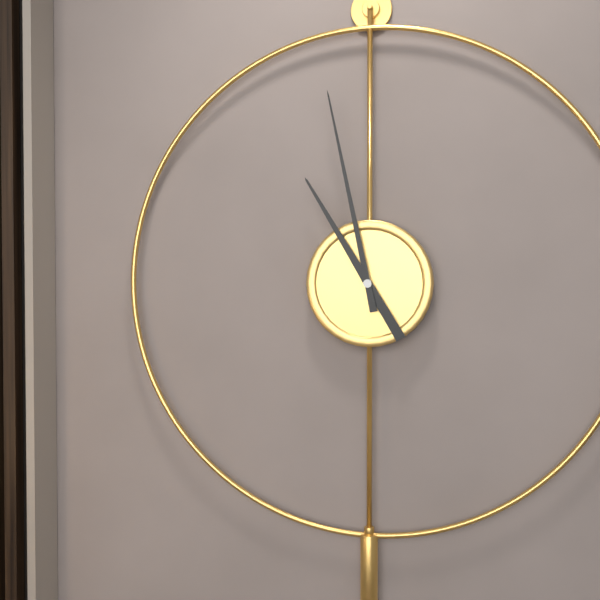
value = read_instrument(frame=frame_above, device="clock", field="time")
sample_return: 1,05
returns 10,58
